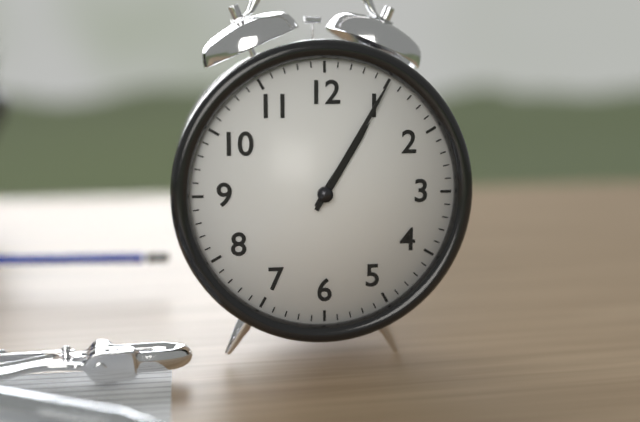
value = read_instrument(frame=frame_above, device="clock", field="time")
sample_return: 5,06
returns 1,05
